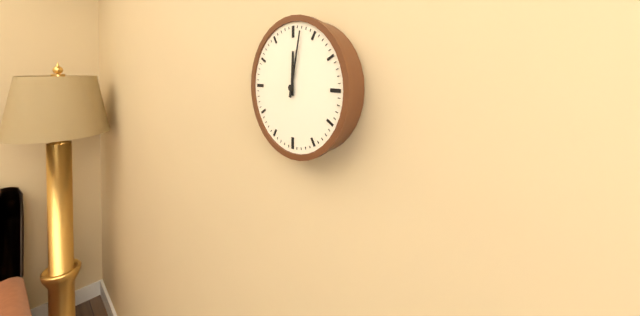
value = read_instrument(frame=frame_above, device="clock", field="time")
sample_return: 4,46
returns 12,02
